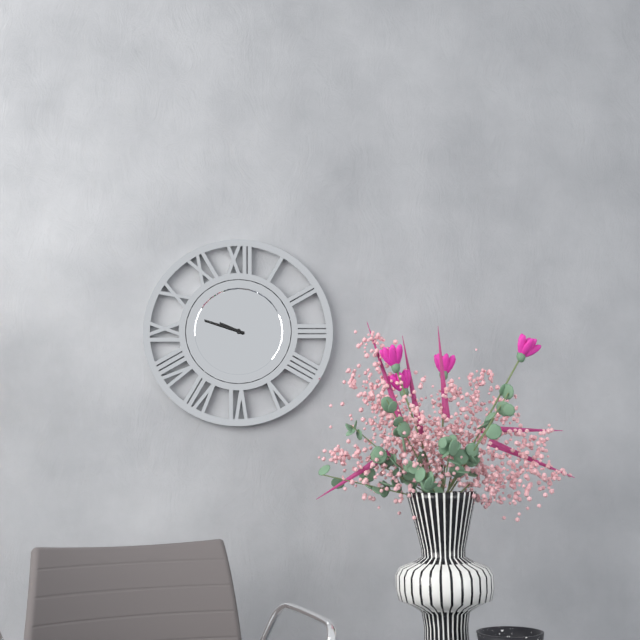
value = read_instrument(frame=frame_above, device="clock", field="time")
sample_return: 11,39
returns 9,48
